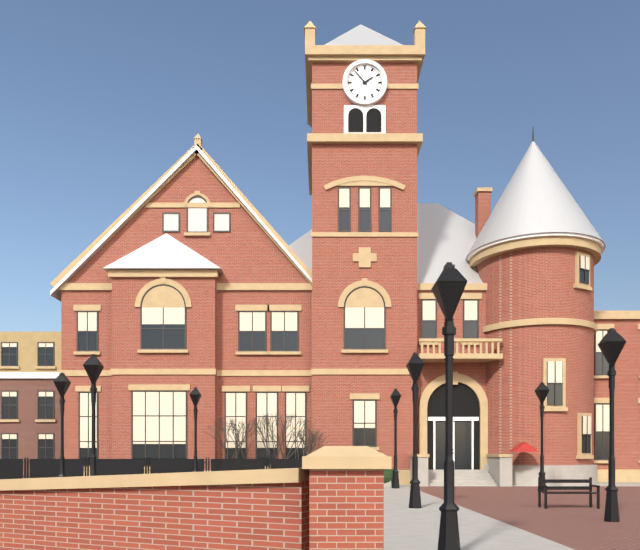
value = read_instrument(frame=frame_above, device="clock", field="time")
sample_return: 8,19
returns 1,53
